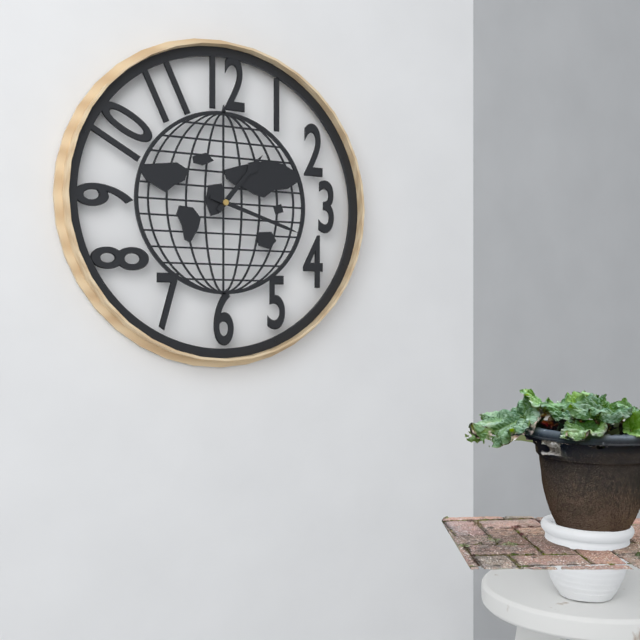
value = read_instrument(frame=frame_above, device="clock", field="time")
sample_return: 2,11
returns 1,18
